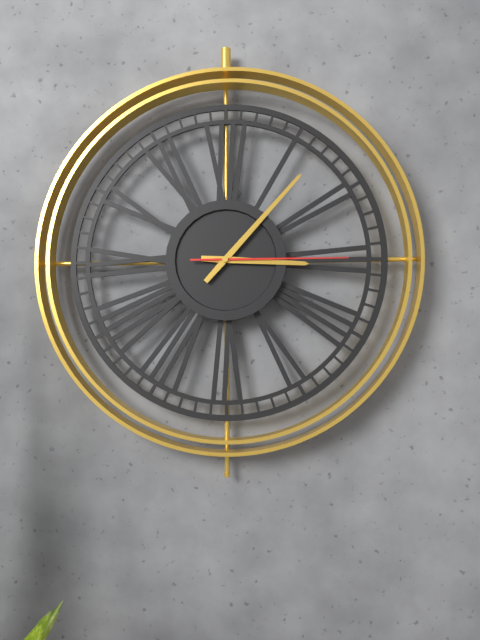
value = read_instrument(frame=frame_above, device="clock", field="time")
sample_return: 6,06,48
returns 3,07,15
